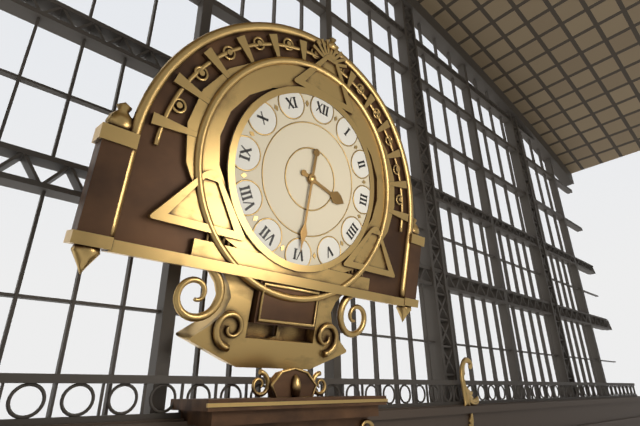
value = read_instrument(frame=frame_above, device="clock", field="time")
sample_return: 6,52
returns 3,30
